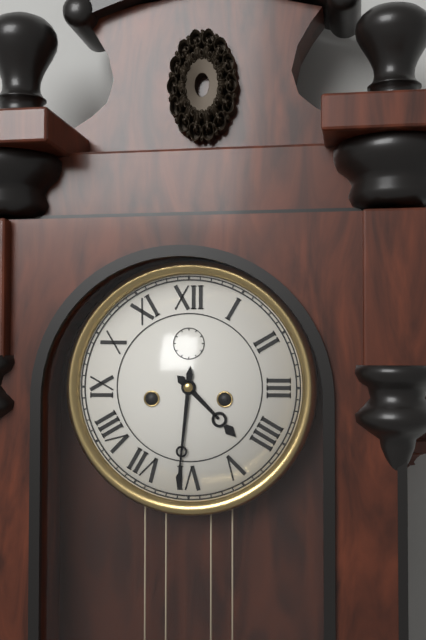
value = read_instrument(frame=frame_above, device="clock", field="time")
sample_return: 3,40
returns 4,31
